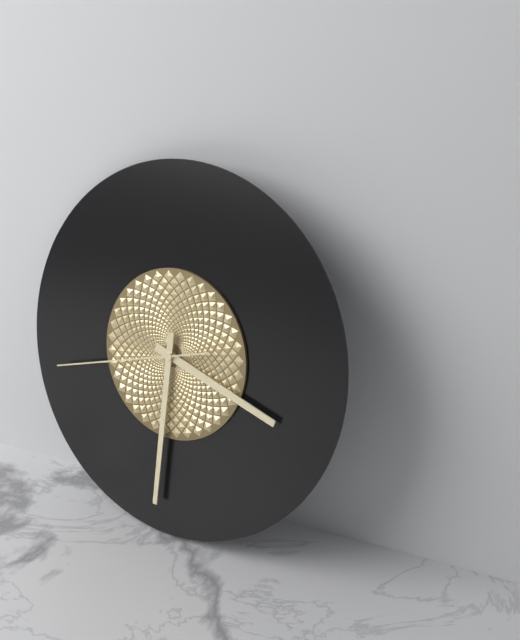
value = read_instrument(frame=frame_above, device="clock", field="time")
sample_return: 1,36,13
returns 3,30,42
